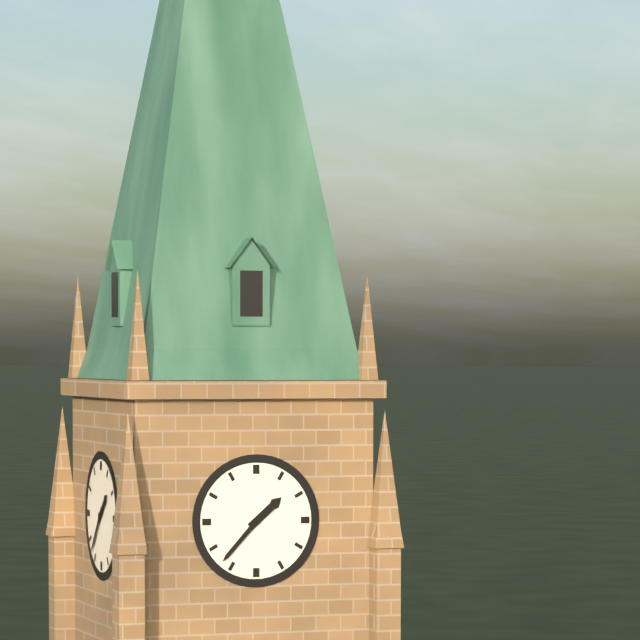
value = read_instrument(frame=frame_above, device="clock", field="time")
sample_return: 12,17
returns 1,37
